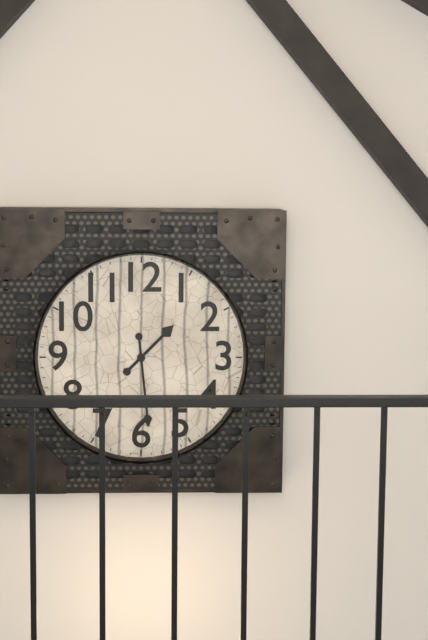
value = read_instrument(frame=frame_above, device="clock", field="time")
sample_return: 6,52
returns 1,29
